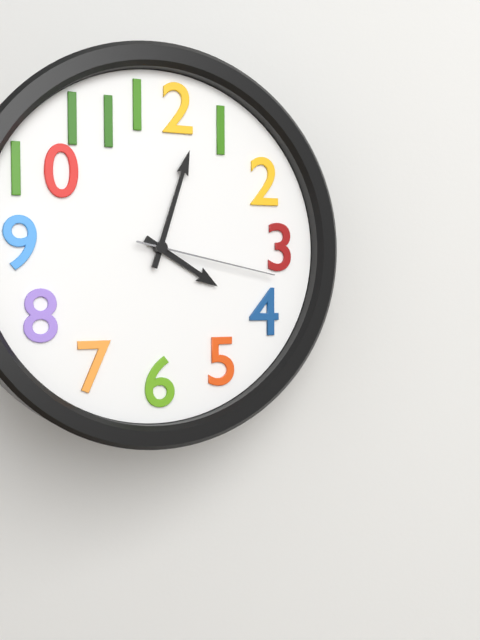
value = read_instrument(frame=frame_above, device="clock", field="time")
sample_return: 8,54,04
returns 4,03,17
